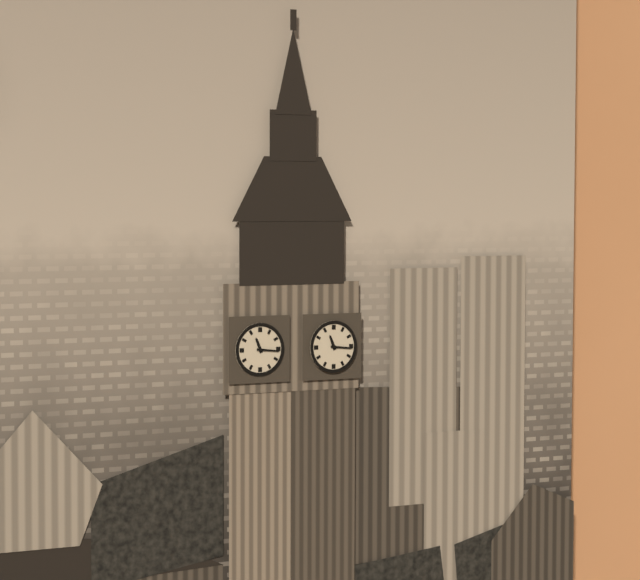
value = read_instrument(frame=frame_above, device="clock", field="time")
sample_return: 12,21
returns 11,16
